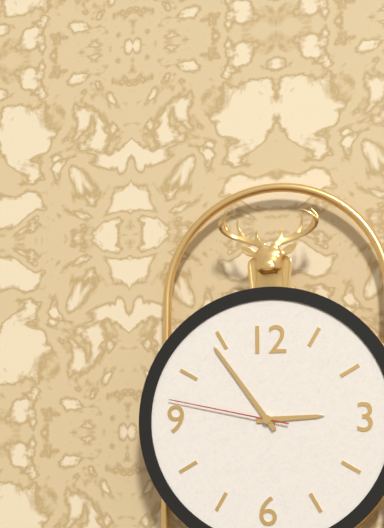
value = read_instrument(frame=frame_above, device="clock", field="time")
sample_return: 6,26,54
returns 2,54,47
